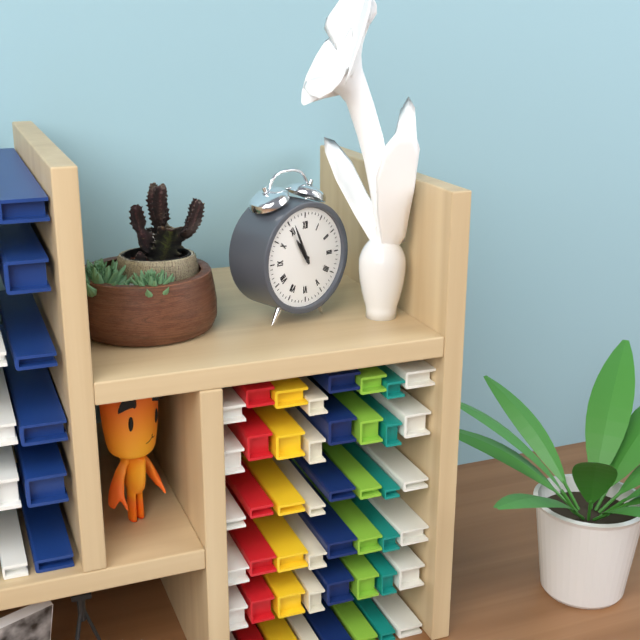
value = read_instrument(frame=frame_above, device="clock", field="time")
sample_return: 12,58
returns 10,56
